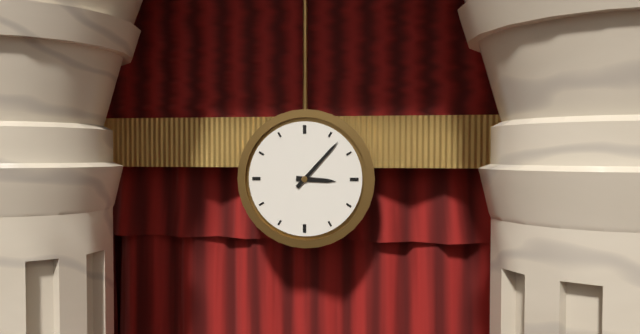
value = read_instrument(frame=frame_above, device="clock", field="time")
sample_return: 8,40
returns 3,07
